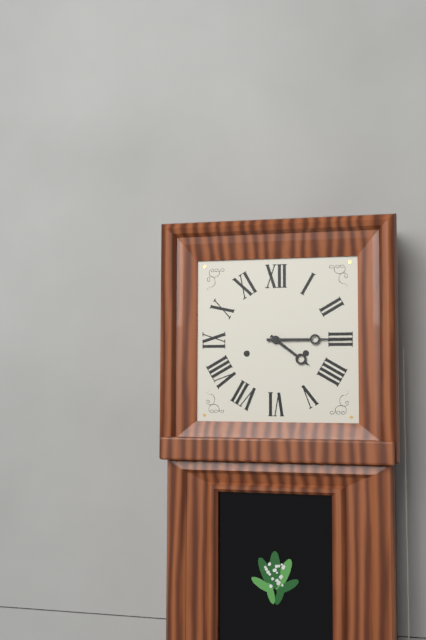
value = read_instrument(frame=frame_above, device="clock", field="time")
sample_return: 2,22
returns 4,15
